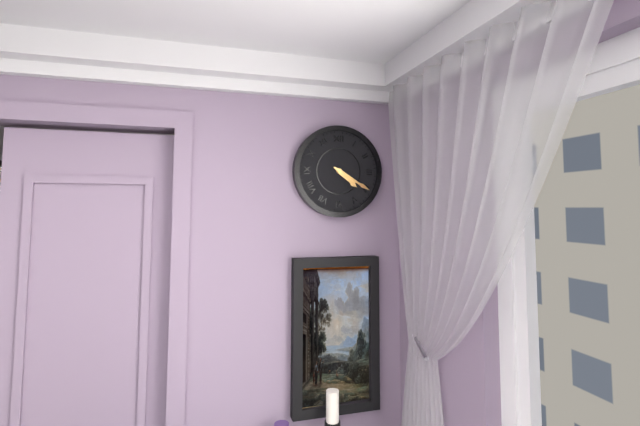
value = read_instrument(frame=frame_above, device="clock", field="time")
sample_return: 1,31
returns 4,20
